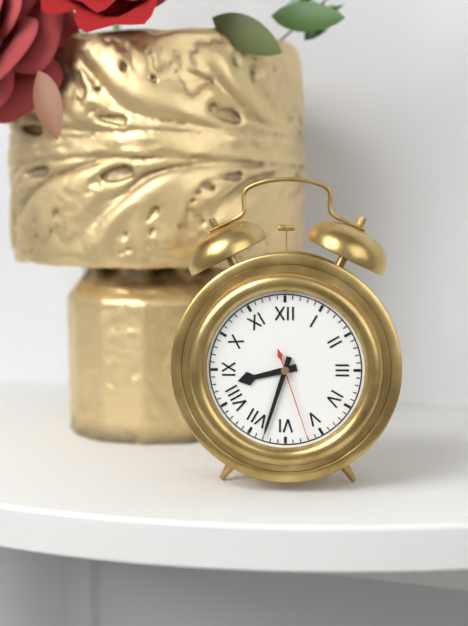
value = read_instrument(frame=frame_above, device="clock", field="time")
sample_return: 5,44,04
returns 8,33,27
